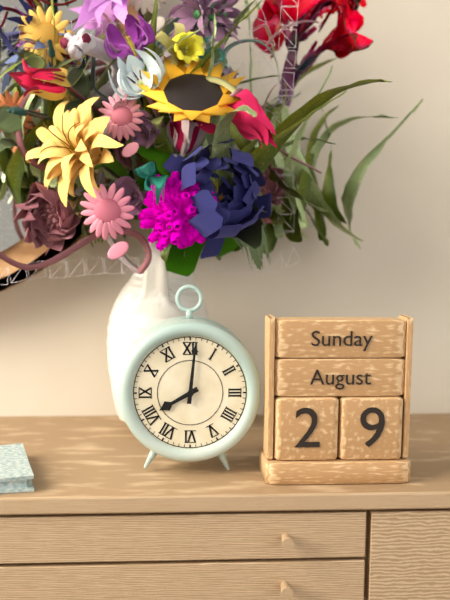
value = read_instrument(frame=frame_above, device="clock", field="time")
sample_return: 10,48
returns 8,01
